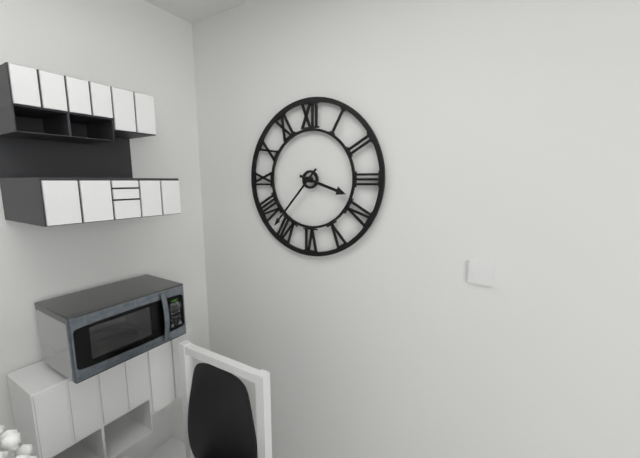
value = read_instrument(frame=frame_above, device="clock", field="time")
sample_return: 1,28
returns 3,37
